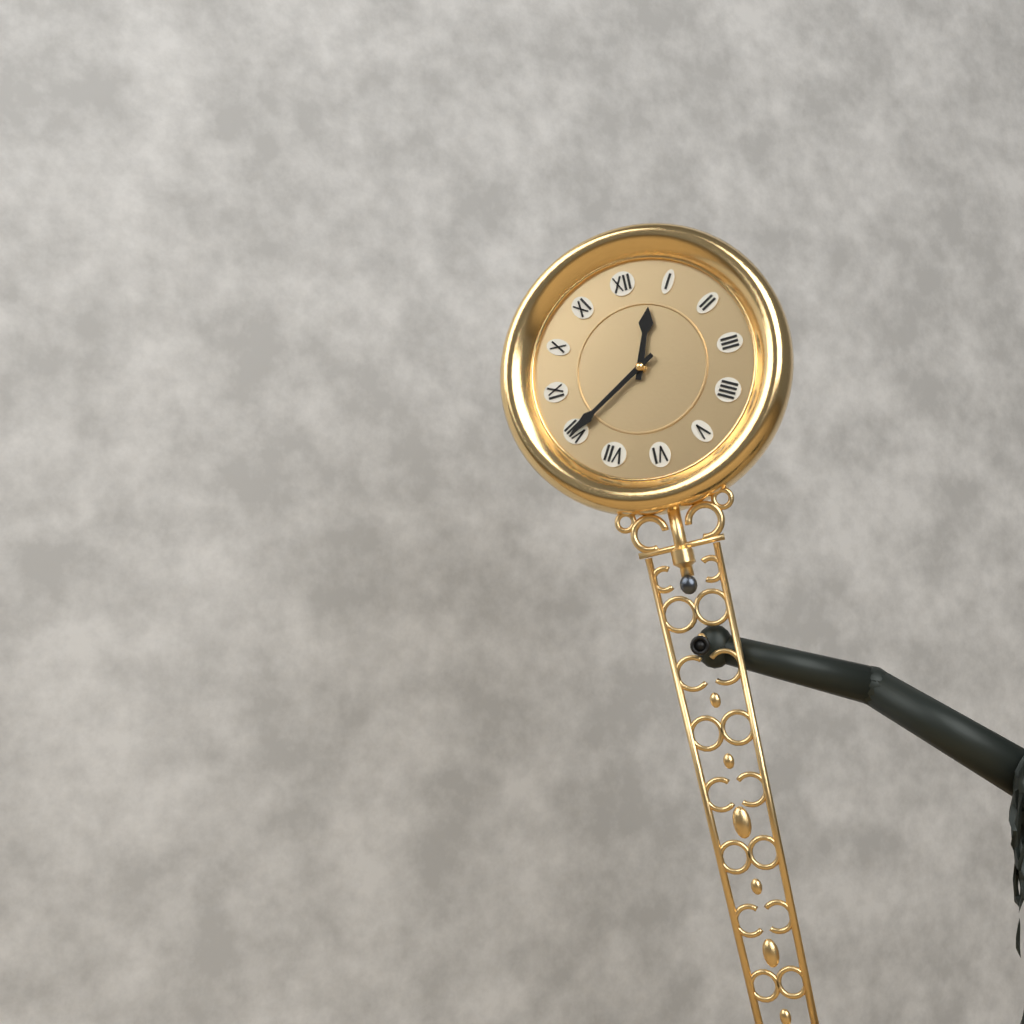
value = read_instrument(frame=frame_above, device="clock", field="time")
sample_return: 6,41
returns 12,40
